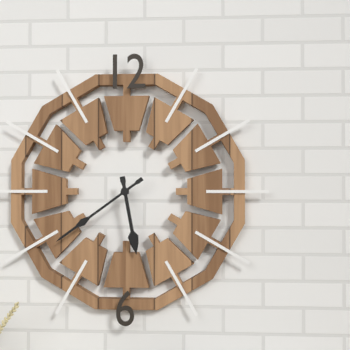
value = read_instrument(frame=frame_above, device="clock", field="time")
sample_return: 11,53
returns 5,39
